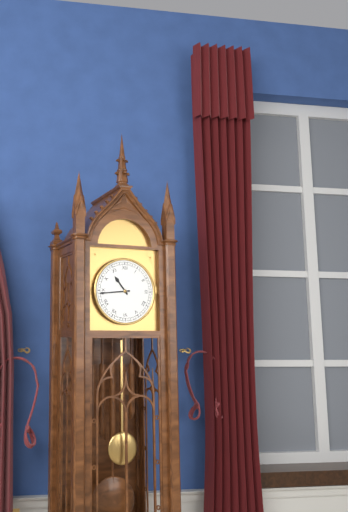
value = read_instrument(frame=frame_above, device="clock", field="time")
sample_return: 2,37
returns 10,44
